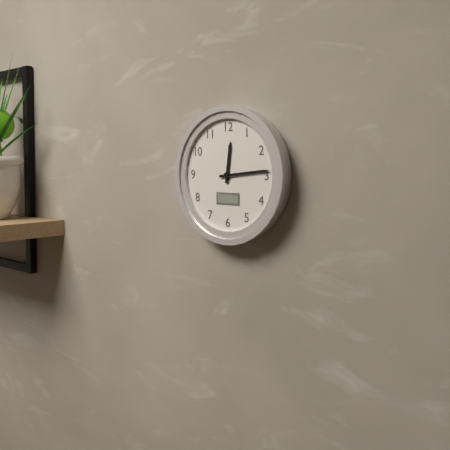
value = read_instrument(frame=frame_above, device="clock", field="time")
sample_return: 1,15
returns 12,14
